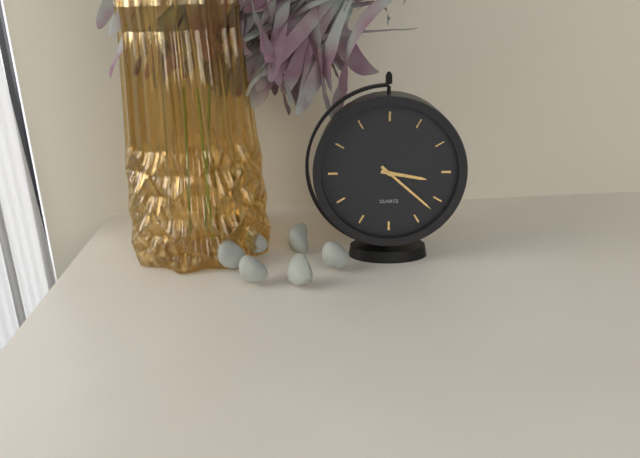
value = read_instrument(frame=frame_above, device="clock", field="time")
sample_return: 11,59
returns 3,22
